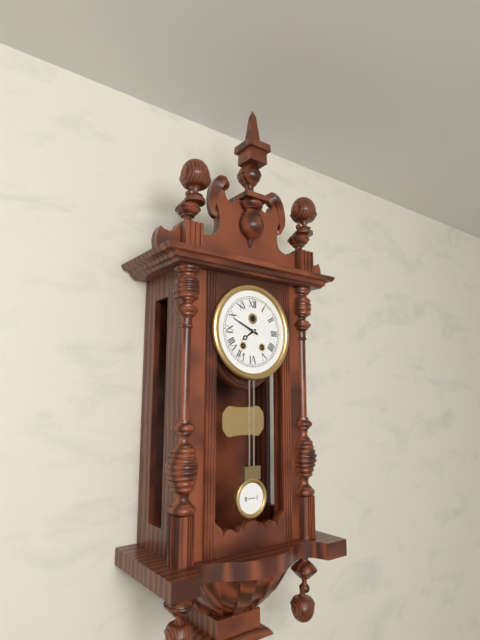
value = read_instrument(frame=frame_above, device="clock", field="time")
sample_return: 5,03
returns 7,49
